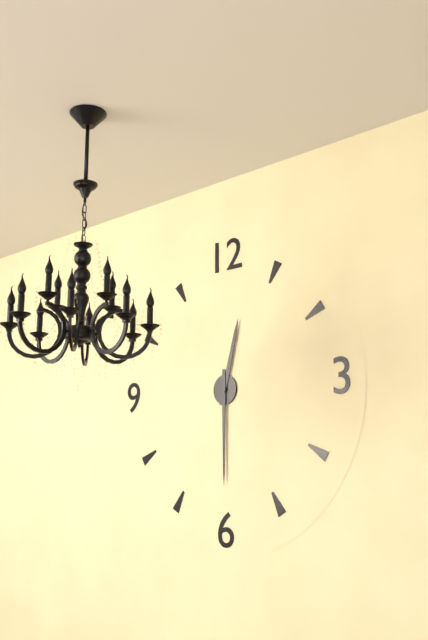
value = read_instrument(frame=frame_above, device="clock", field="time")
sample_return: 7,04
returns 12,30
